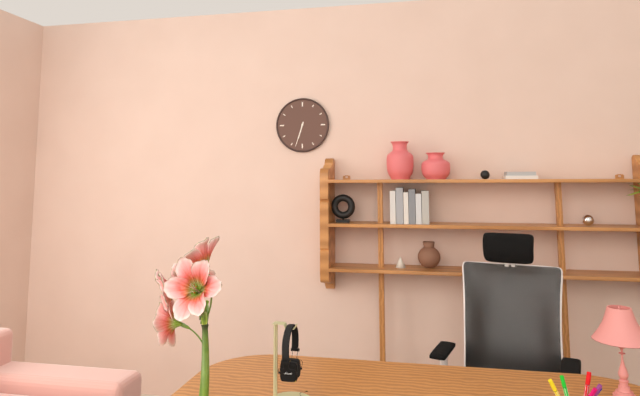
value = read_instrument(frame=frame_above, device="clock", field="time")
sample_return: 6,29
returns 6,33
